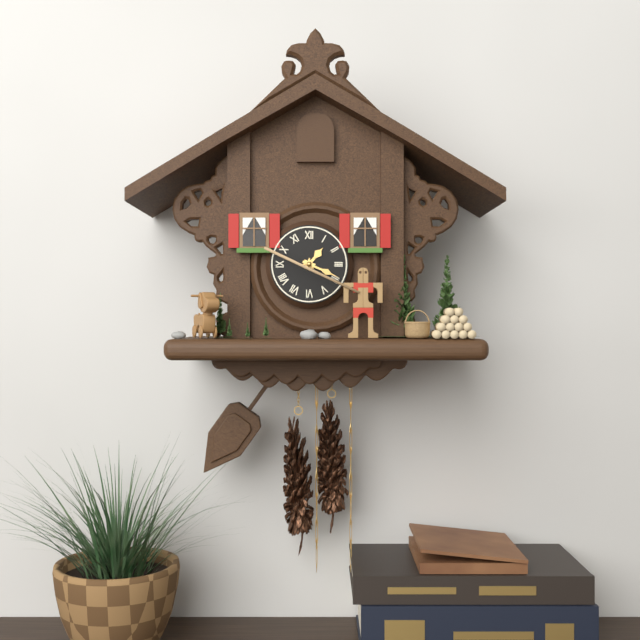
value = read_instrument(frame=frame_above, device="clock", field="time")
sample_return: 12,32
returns 1,19
